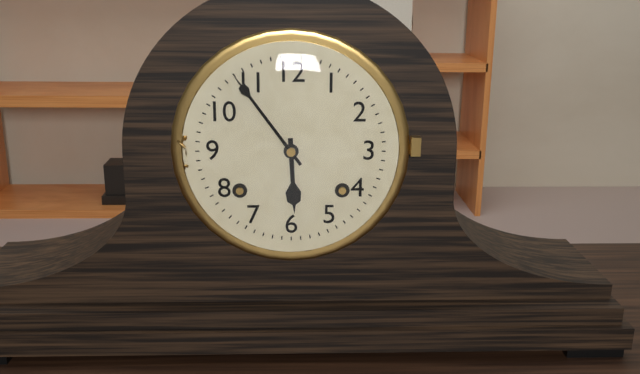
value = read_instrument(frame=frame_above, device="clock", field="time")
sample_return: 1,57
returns 5,54
